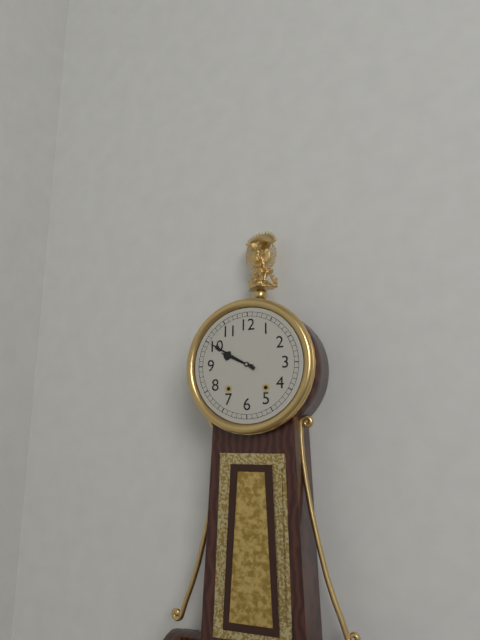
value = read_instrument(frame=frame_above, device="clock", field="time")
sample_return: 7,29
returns 9,50
